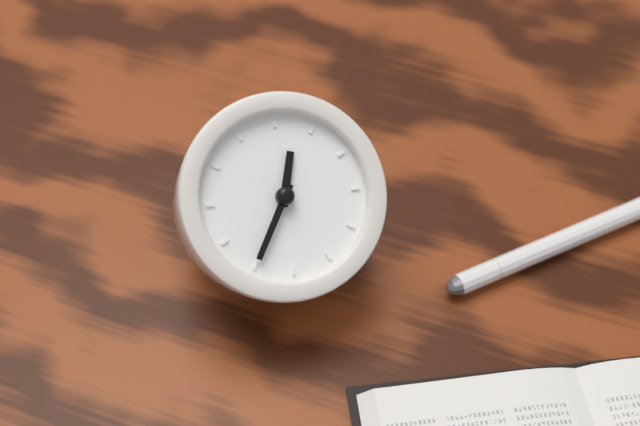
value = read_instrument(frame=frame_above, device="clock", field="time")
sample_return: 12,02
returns 11,30
